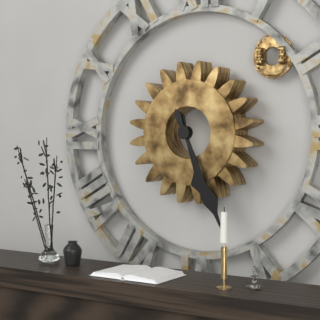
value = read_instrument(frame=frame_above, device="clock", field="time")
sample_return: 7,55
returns 5,26
